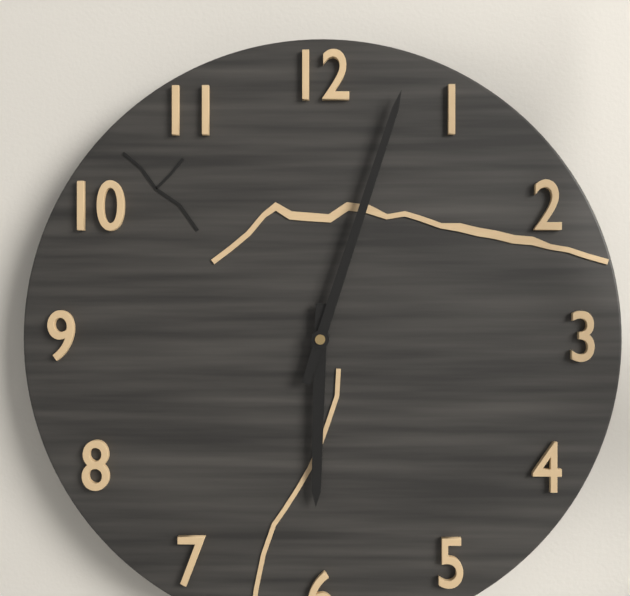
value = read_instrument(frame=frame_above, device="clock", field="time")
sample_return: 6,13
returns 6,03
